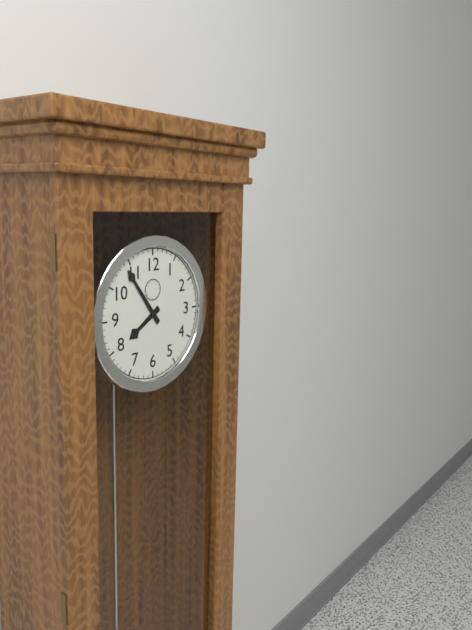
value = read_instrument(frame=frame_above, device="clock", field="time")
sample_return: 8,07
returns 7,54
